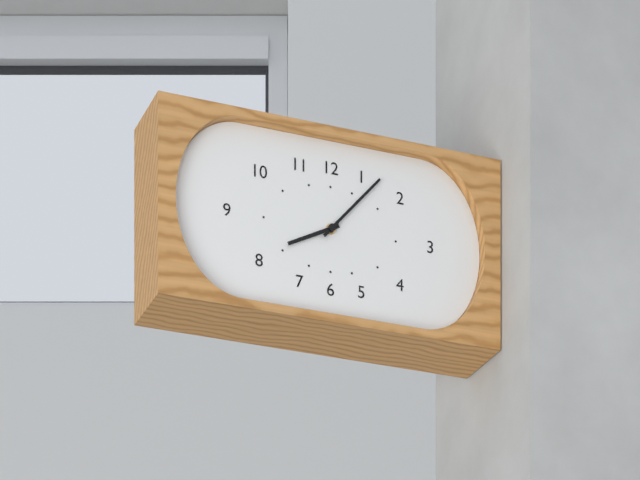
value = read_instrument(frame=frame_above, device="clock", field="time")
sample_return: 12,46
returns 8,07
